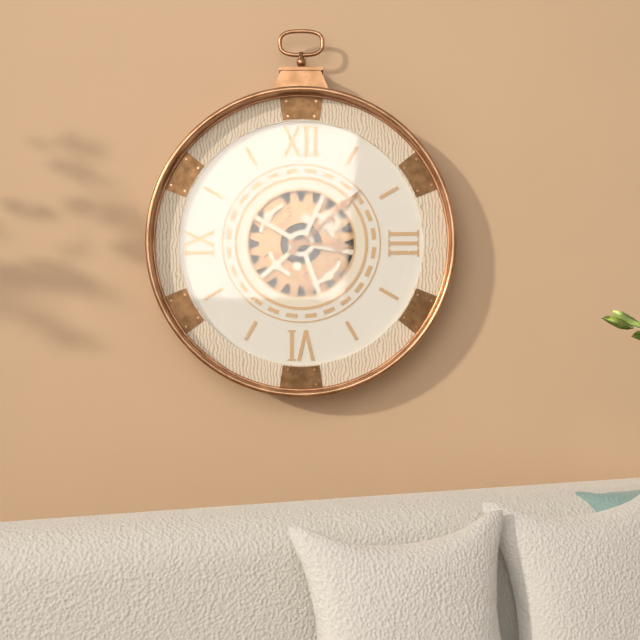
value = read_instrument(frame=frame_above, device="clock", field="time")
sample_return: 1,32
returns 3,08
